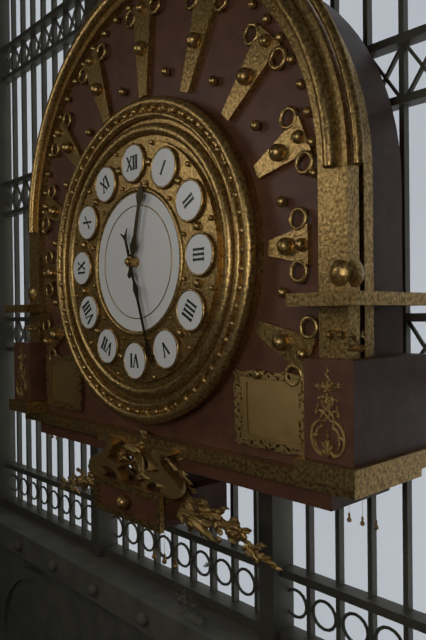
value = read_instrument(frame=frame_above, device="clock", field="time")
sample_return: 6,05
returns 12,27
